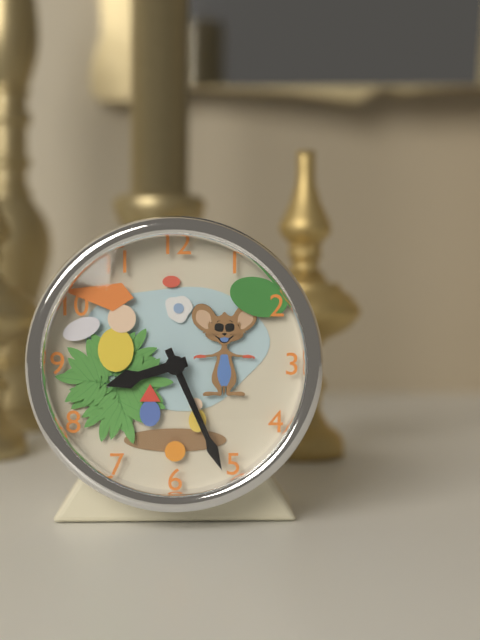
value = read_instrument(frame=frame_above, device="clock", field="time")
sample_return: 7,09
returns 8,26
